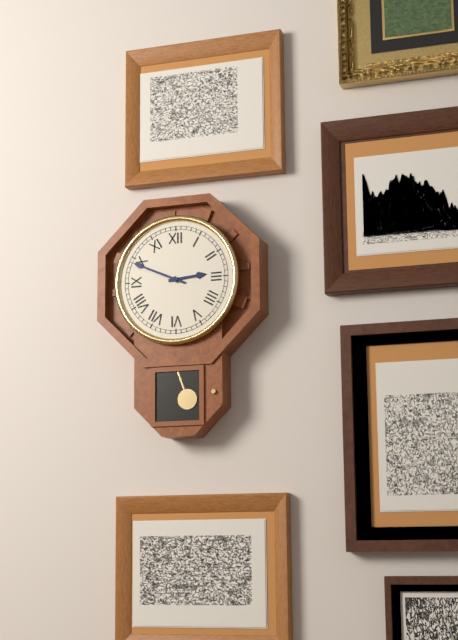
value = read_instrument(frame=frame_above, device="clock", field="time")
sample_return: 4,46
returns 2,49
